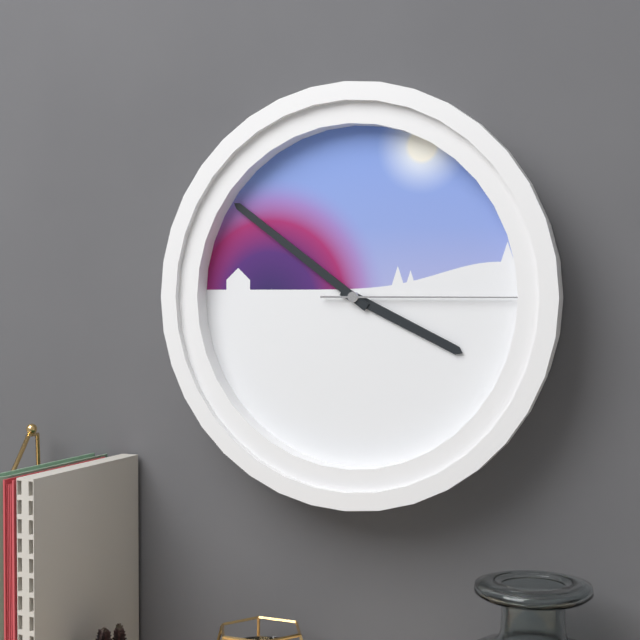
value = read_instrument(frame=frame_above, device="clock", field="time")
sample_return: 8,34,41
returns 3,51,15
